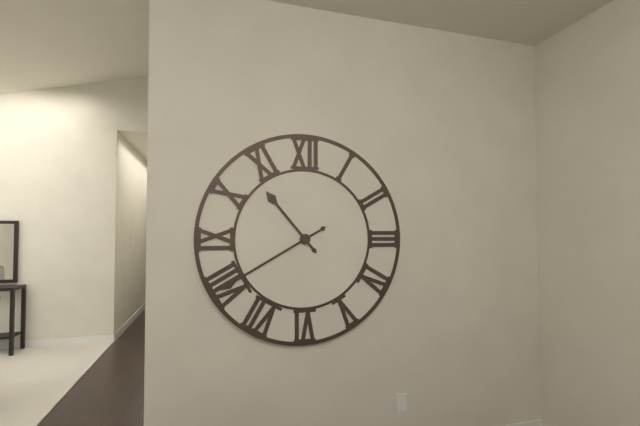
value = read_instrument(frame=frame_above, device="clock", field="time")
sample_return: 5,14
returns 10,40
